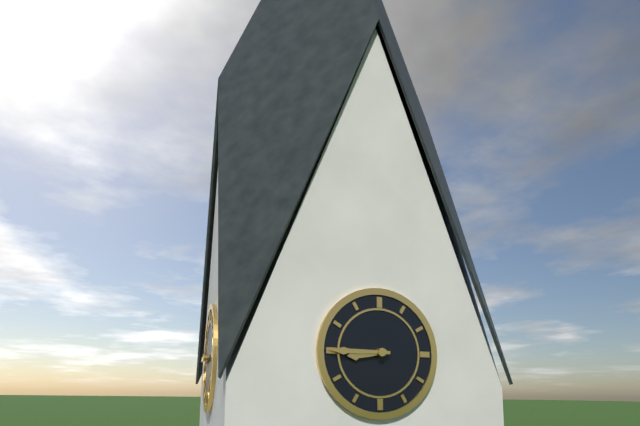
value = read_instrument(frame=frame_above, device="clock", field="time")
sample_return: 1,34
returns 8,45
